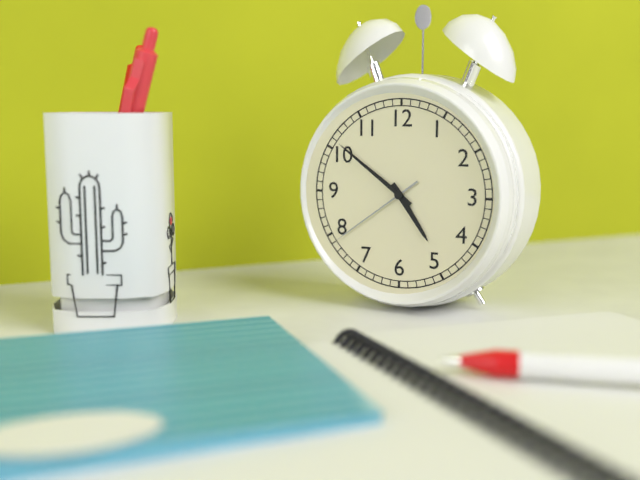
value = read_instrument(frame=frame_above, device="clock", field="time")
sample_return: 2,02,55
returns 4,51,39
